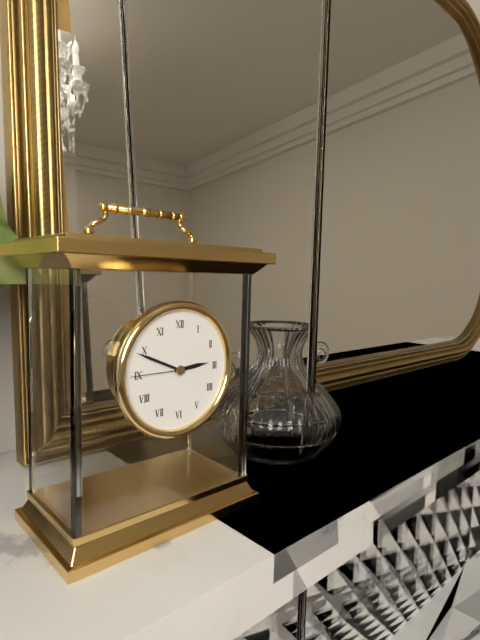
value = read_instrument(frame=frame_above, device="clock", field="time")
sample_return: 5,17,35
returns 2,49,45
